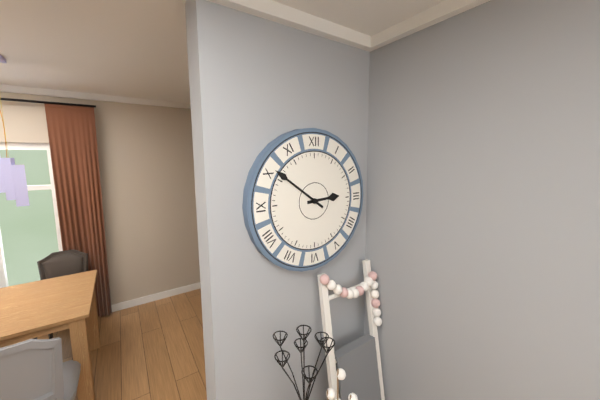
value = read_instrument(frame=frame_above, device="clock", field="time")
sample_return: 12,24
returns 2,51
